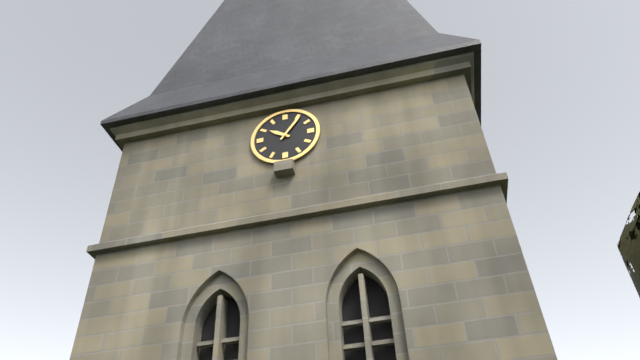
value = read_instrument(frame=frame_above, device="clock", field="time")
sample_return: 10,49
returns 10,06
